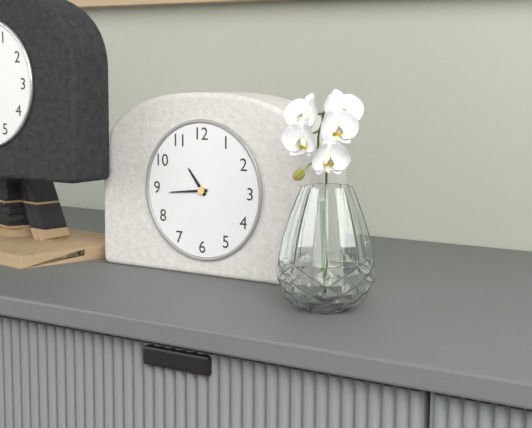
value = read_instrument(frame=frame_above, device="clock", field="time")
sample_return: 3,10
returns 10,44
